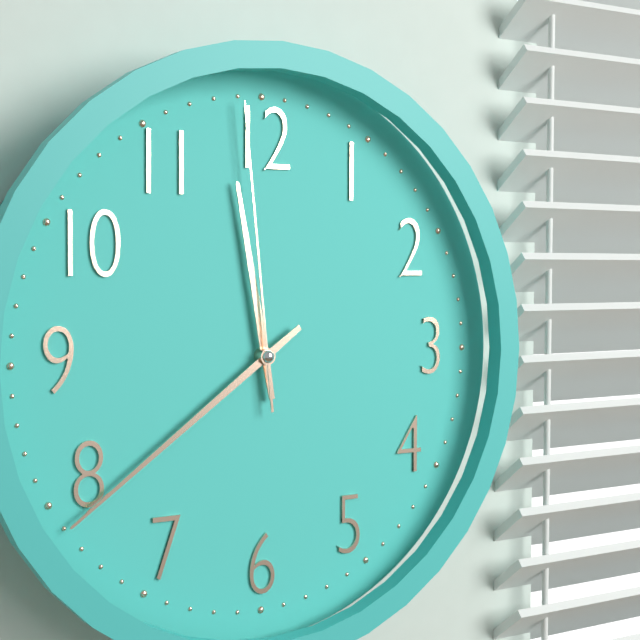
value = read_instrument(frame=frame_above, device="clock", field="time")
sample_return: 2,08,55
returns 11,39,59
